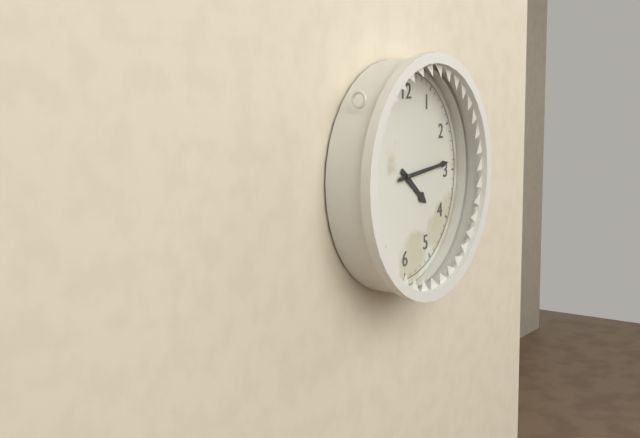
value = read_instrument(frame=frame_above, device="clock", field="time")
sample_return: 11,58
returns 4,14
